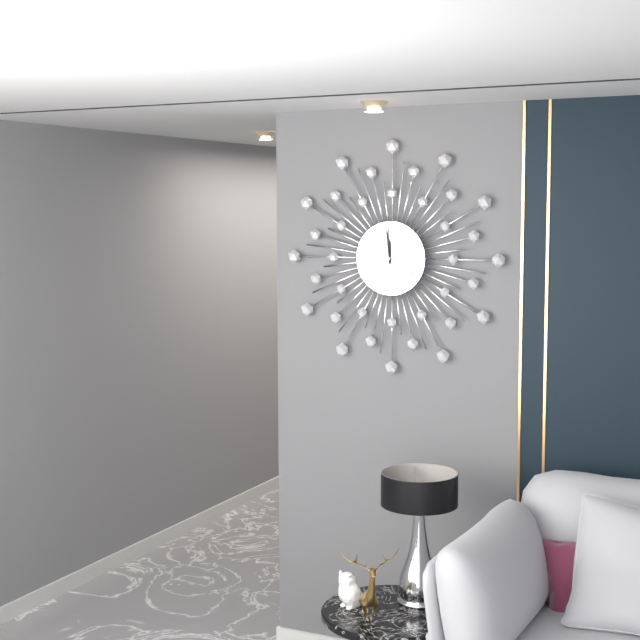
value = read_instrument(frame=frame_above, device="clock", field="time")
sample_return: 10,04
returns 11,59
